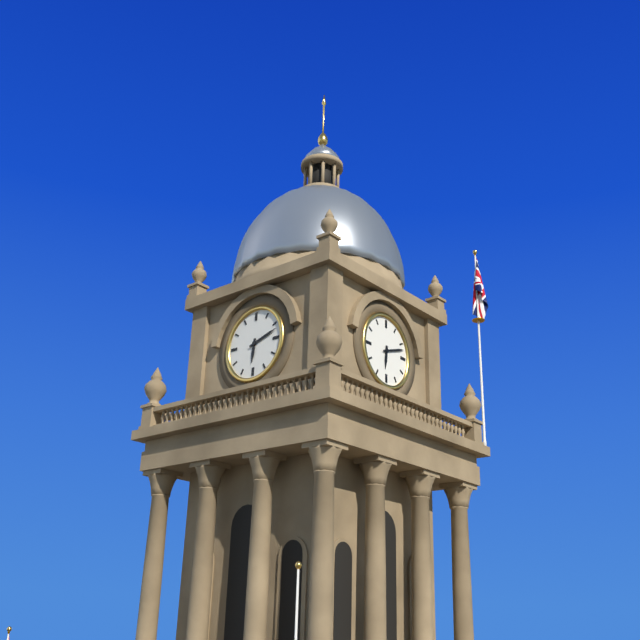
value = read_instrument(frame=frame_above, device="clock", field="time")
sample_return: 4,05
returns 6,12
